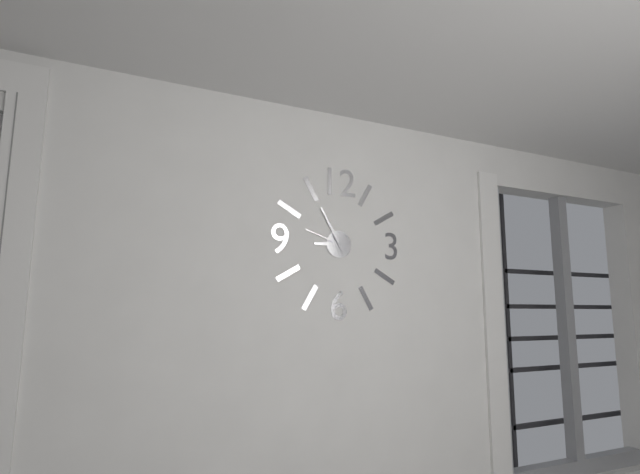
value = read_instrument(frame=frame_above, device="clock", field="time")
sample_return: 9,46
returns 8,55
